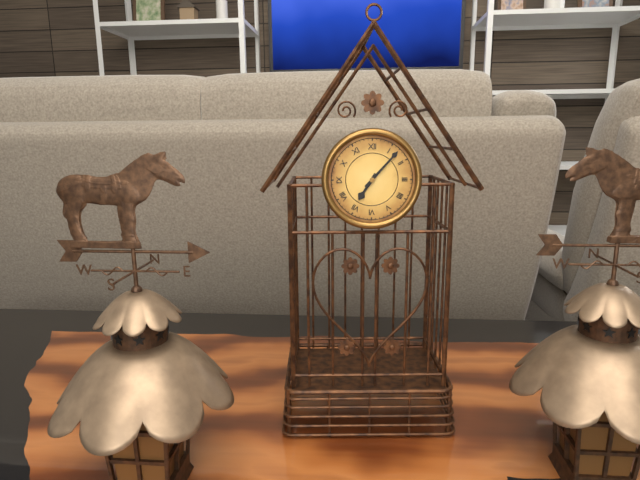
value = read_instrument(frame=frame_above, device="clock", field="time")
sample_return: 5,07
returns 7,07
